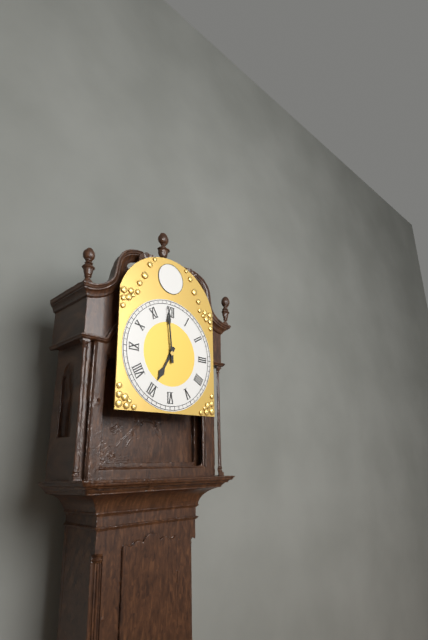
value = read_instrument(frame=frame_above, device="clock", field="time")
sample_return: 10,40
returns 6,59
